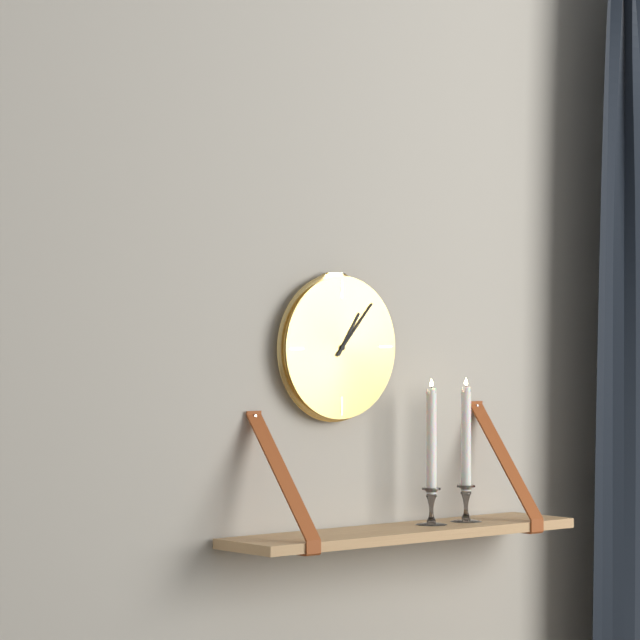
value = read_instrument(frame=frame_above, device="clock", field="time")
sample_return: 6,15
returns 1,07
